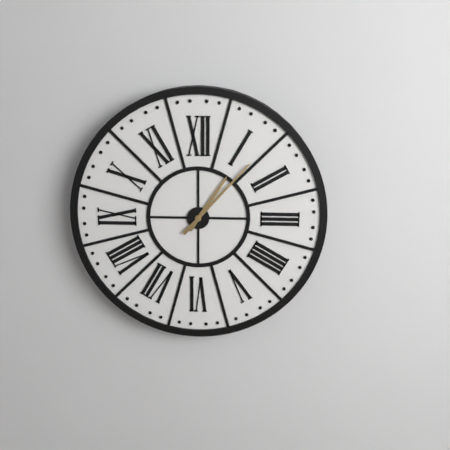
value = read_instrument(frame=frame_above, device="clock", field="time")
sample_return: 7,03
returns 1,07
